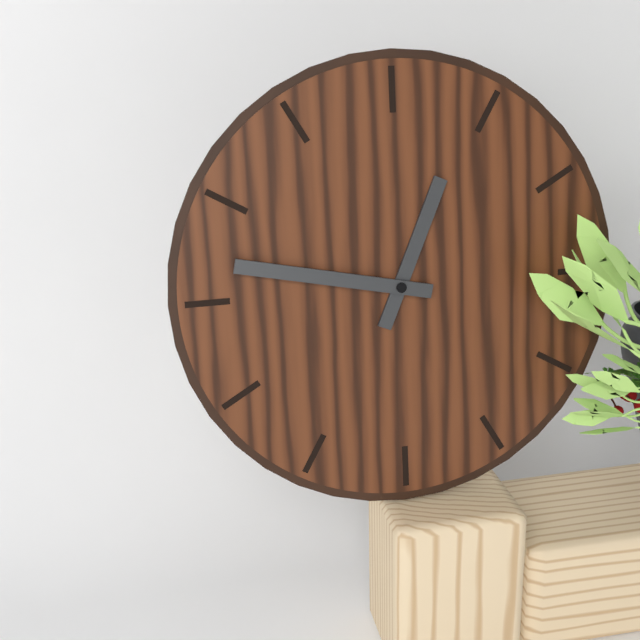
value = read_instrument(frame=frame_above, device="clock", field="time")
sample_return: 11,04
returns 12,47
